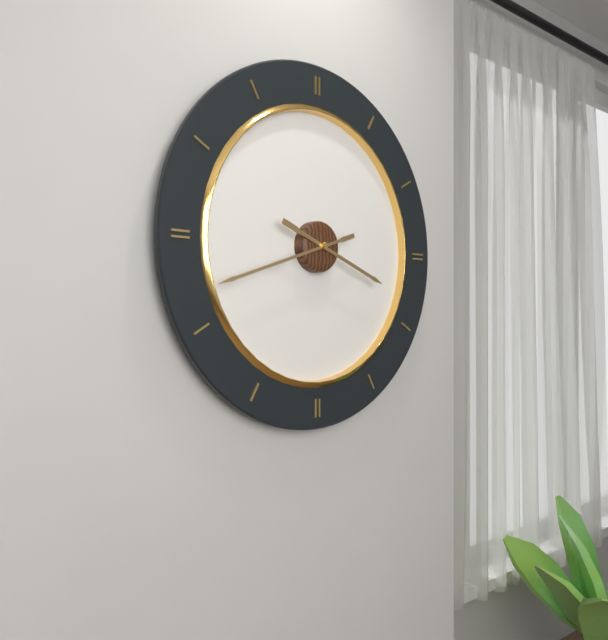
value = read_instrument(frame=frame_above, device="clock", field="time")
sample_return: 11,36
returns 3,42
